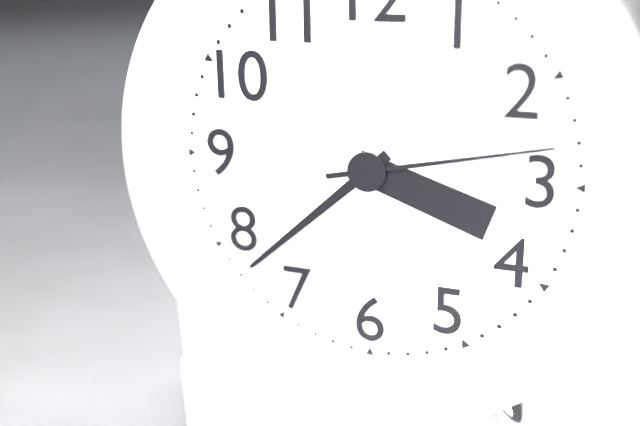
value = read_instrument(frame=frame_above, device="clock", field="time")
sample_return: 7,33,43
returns 3,38,13
